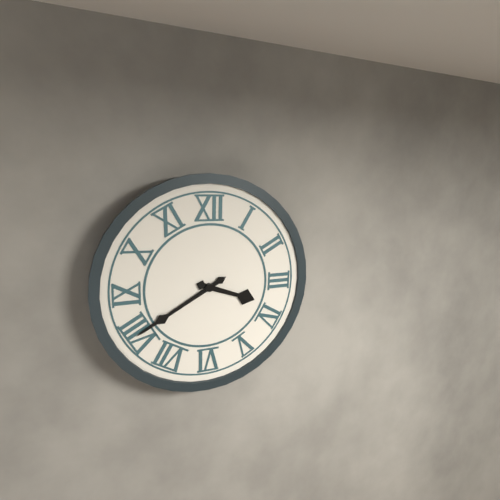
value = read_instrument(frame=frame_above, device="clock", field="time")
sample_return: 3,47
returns 3,40
